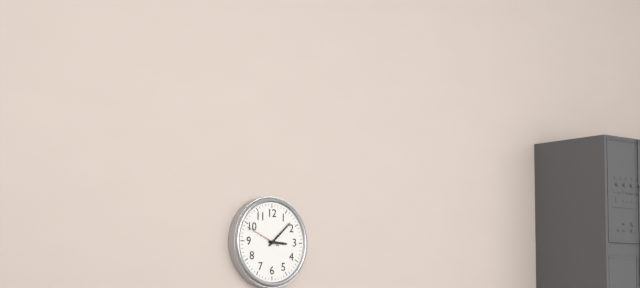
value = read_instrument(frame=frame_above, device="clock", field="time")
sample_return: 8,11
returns 3,08
